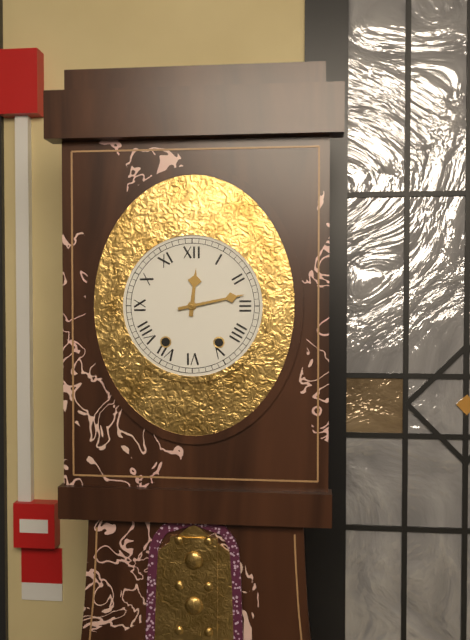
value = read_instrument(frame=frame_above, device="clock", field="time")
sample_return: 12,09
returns 12,13
